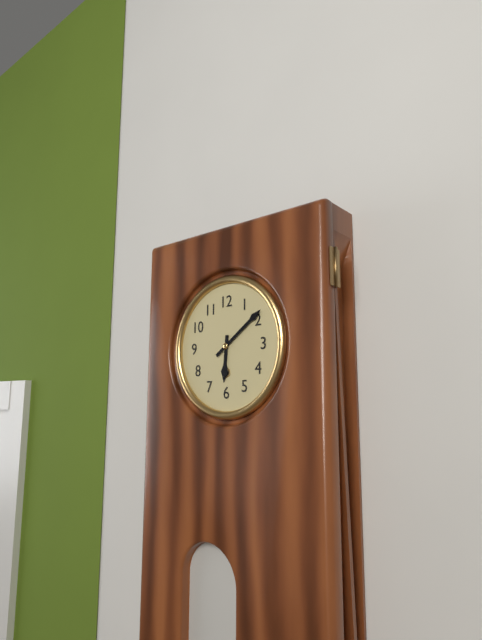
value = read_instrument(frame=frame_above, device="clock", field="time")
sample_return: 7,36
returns 6,09
